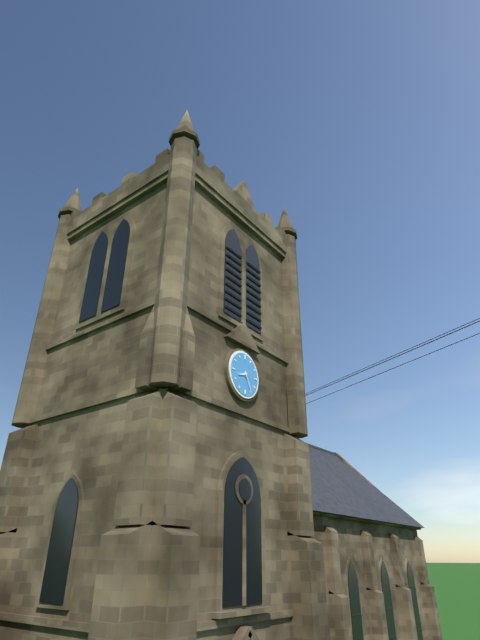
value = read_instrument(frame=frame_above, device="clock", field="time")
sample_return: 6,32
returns 8,25
